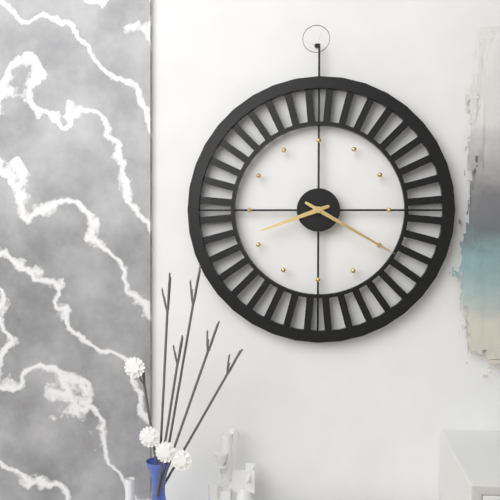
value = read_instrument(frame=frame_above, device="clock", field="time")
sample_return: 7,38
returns 8,20
